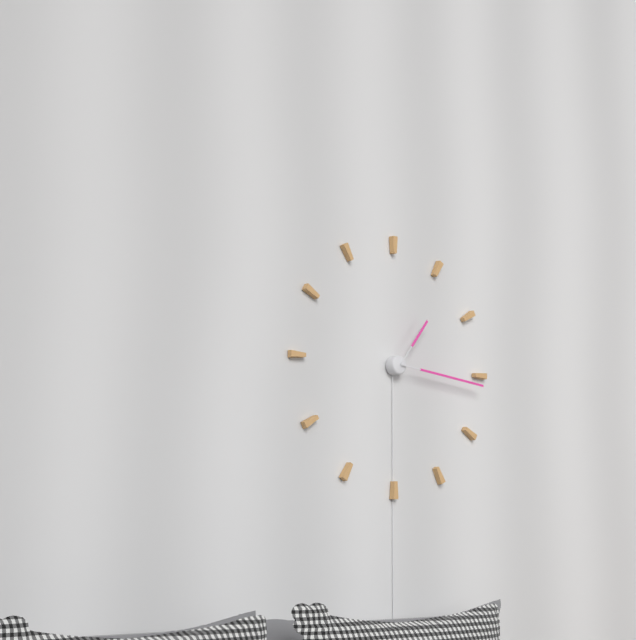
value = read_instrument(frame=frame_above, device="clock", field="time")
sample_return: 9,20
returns 1,16
